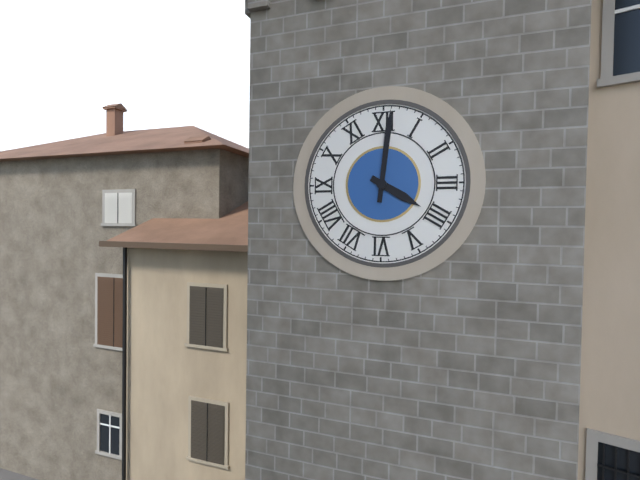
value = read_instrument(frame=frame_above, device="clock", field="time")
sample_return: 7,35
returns 4,01
